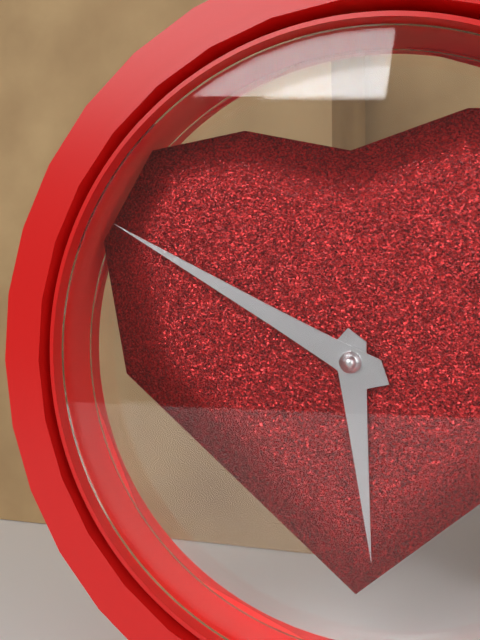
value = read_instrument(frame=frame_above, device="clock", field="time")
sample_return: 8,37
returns 5,50
